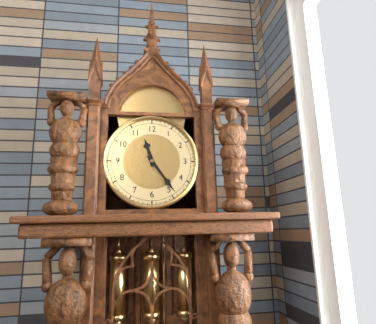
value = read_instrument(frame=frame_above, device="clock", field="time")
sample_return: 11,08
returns 11,24
